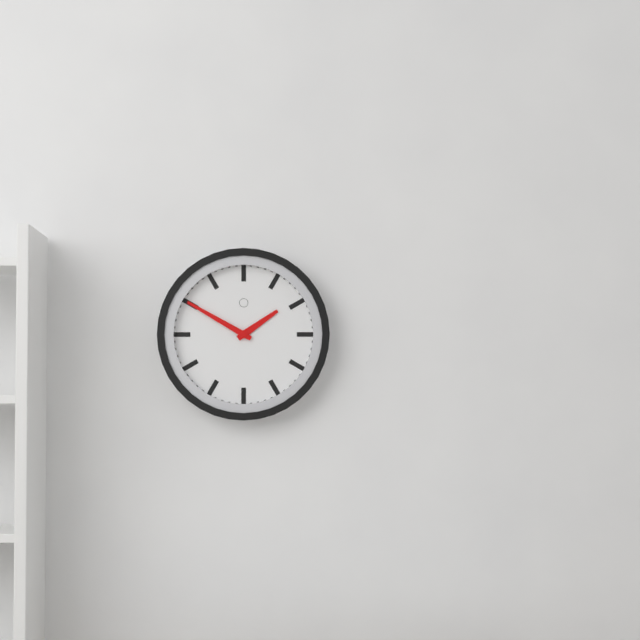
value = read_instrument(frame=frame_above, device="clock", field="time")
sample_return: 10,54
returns 1,50
